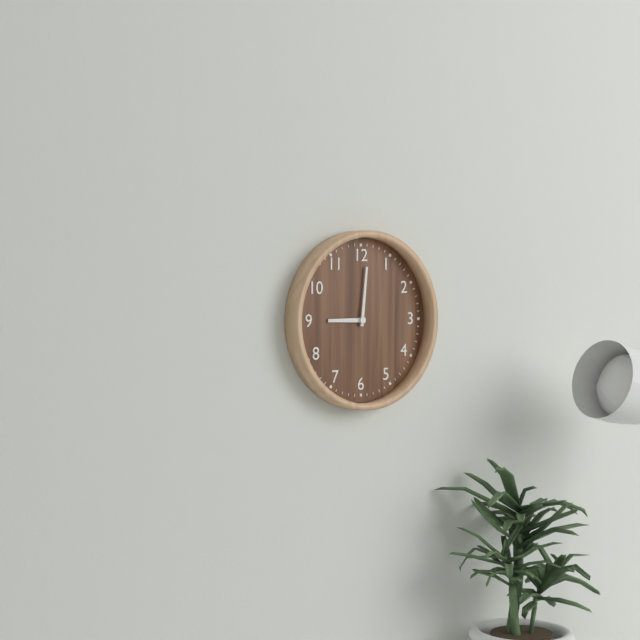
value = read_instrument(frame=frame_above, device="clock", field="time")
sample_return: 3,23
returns 9,01
